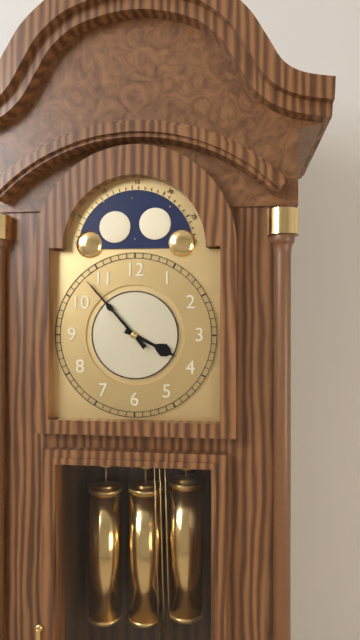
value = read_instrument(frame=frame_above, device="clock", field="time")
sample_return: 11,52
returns 3,53
